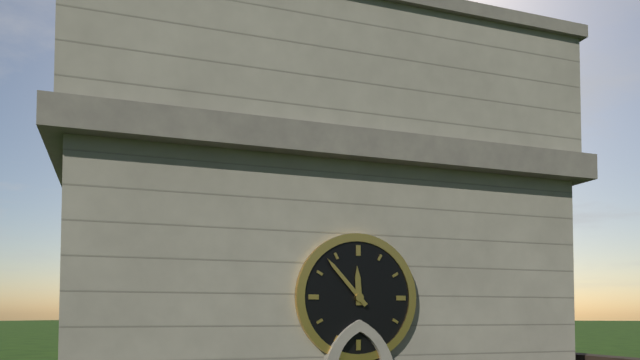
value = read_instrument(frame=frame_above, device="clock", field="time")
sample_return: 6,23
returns 11,53
